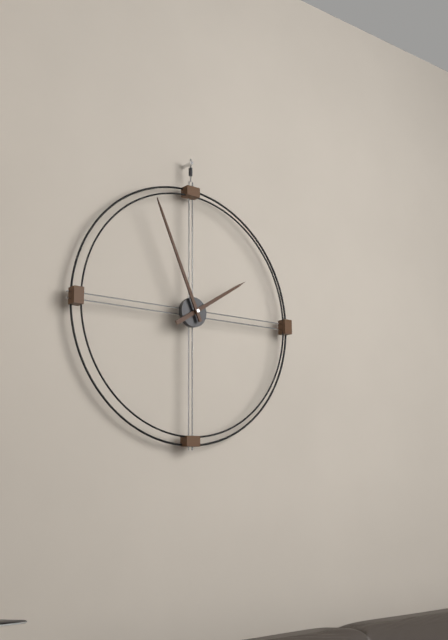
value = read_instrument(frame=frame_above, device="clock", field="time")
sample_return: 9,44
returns 1,56
